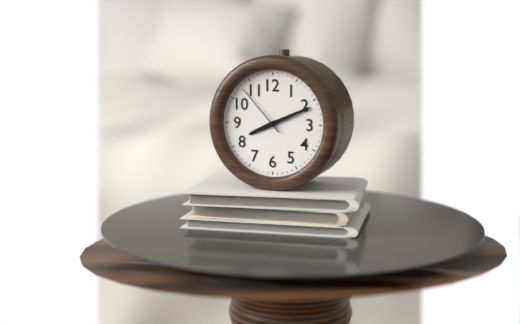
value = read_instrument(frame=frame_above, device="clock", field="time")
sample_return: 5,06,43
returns 8,11,53
